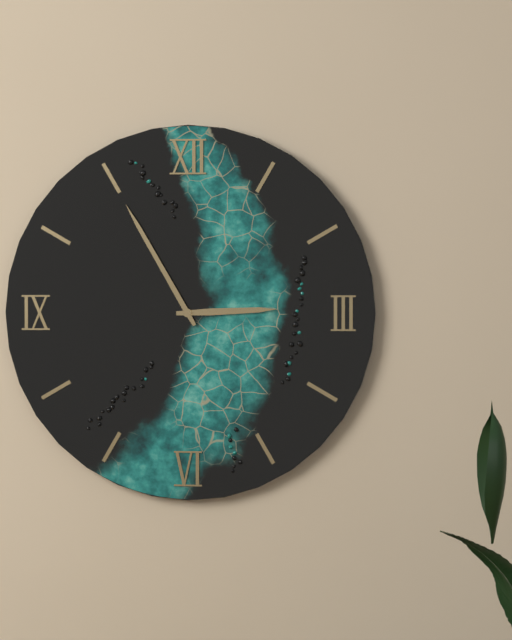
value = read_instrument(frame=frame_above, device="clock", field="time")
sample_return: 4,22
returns 2,55
